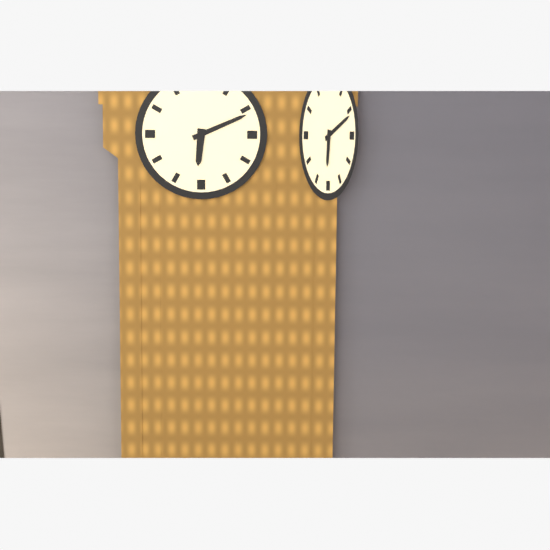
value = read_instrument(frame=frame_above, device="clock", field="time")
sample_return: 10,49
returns 6,11
